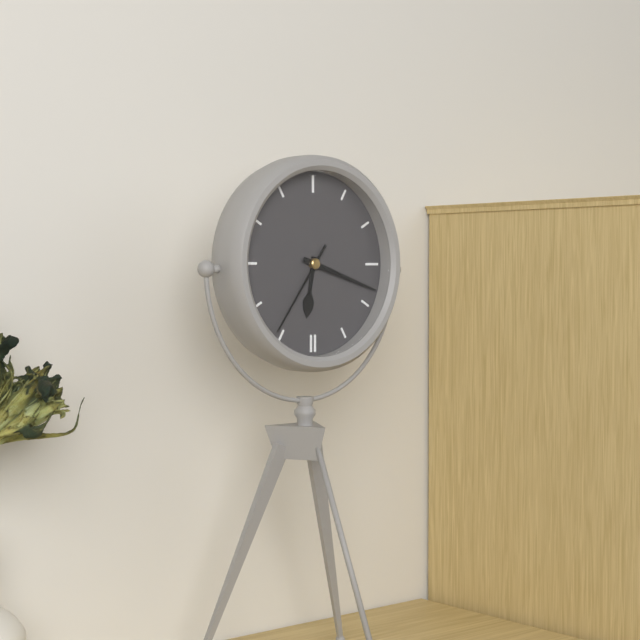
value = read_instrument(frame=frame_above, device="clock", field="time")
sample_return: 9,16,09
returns 6,18,36
